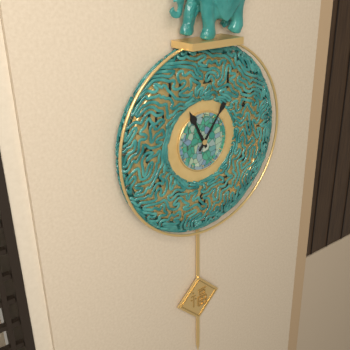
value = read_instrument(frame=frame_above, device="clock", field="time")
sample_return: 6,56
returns 11,06
